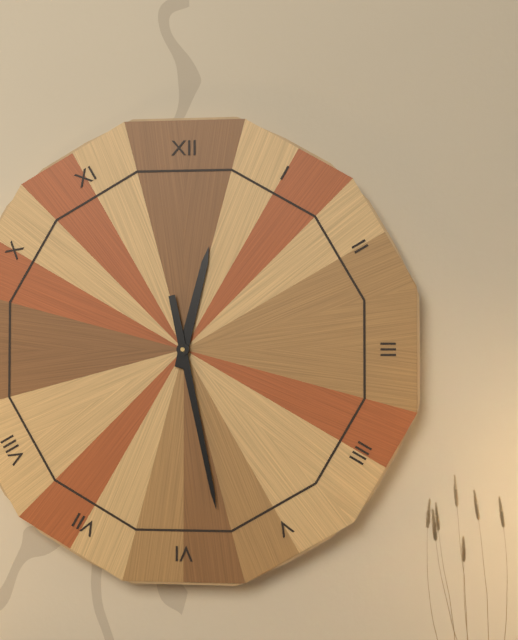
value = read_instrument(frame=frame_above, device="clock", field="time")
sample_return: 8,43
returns 12,28
